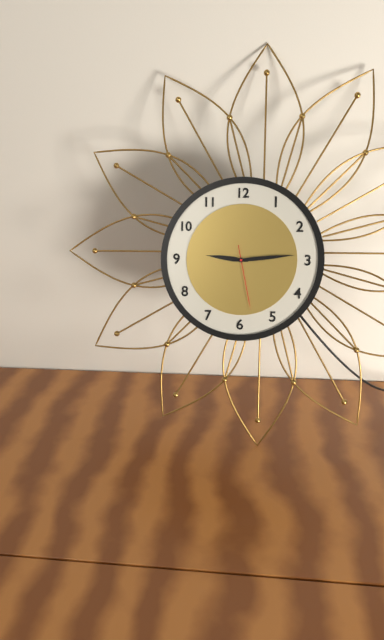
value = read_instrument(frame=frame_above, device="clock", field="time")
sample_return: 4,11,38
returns 9,14,28
